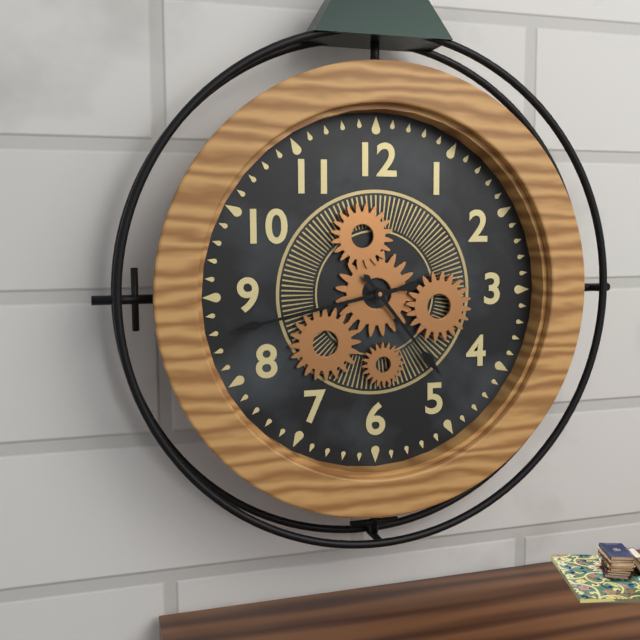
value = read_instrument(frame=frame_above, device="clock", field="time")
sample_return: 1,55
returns 4,43
